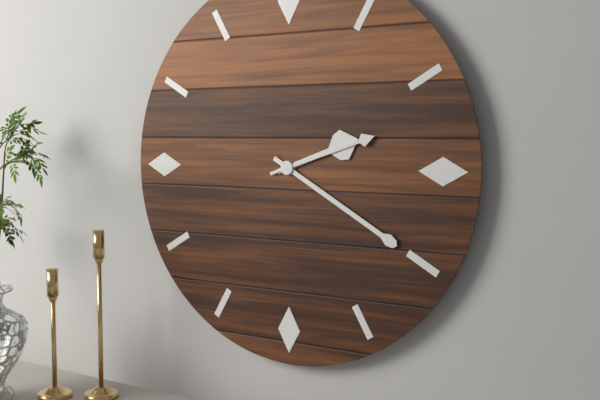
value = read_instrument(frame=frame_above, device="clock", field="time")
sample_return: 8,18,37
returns 2,20,12
